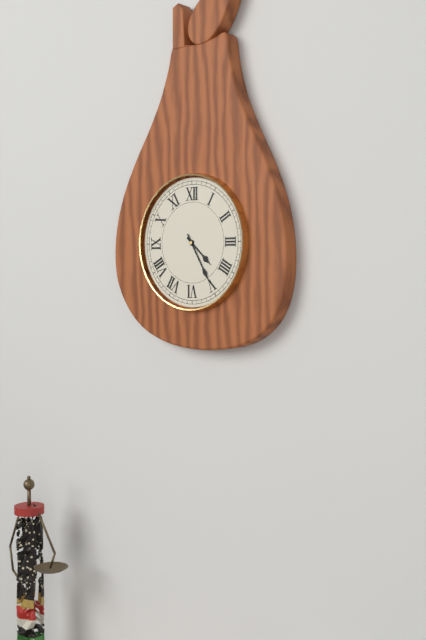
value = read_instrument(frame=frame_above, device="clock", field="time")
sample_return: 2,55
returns 4,25
